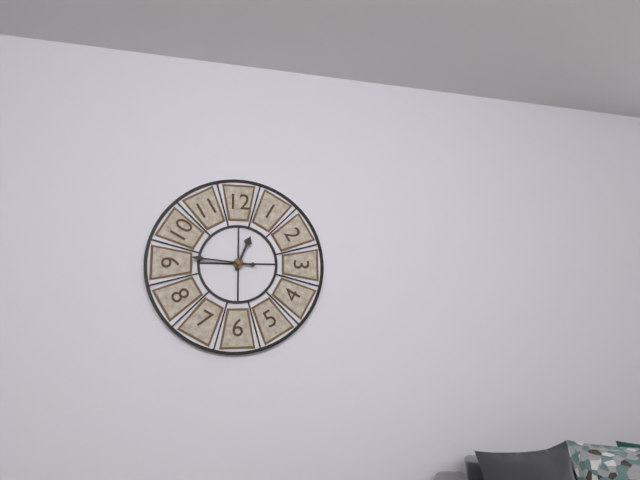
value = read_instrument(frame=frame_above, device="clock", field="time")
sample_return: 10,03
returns 12,46
